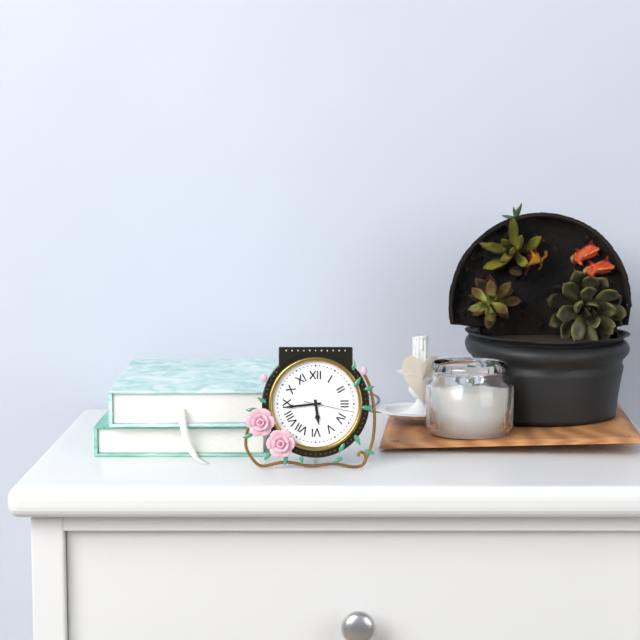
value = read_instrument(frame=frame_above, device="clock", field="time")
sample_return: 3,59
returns 5,44
